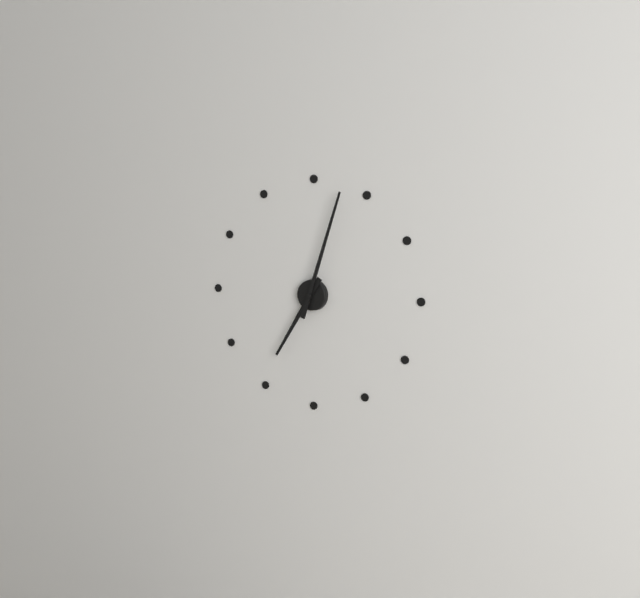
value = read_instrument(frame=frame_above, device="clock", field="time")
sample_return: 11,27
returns 7,03
